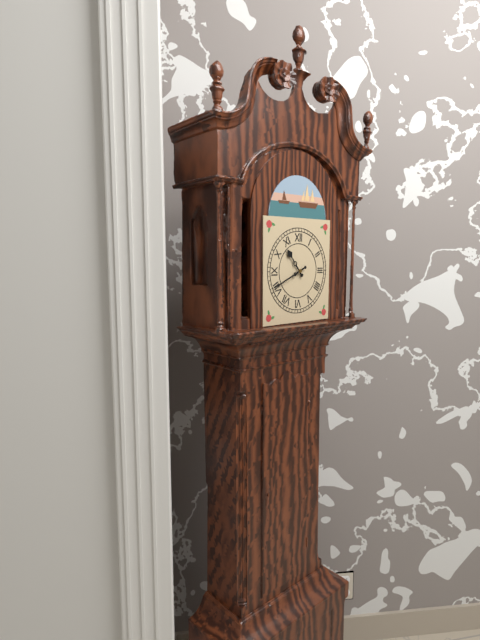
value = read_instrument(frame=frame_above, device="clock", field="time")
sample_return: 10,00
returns 10,41
